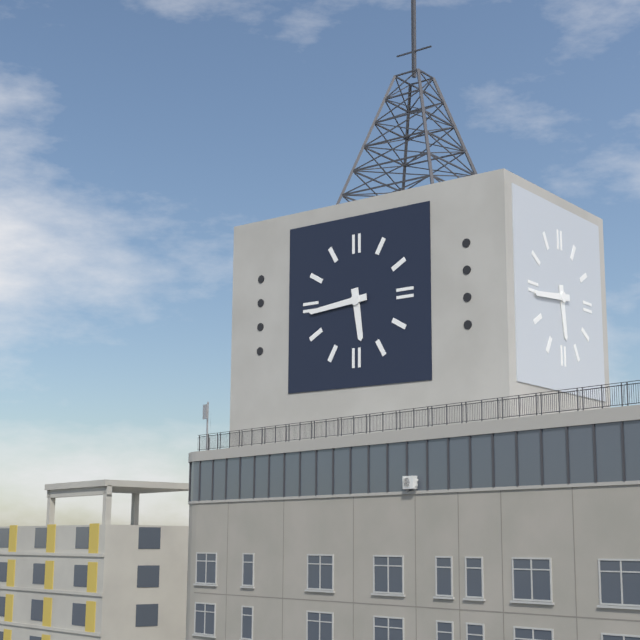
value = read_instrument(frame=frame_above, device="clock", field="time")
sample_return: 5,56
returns 5,44
